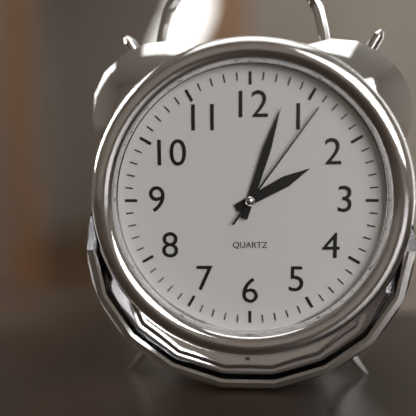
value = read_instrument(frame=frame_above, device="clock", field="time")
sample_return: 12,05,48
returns 2,03,06
